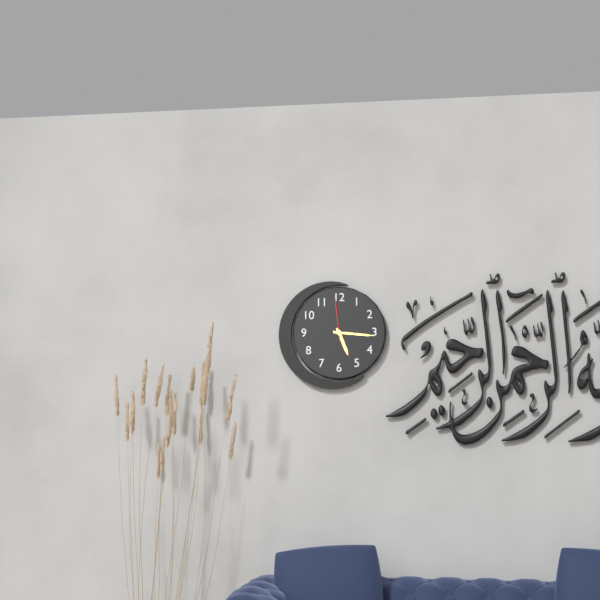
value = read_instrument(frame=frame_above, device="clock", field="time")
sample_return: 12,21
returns 5,16
